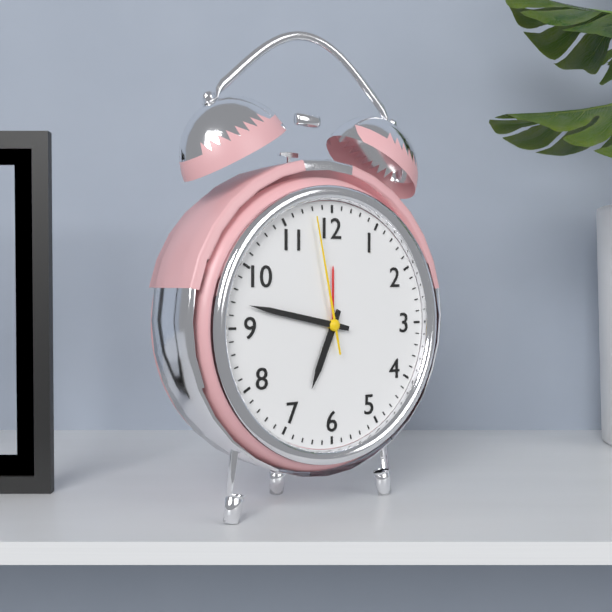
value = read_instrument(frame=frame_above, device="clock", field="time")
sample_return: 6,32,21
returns 6,47,58
